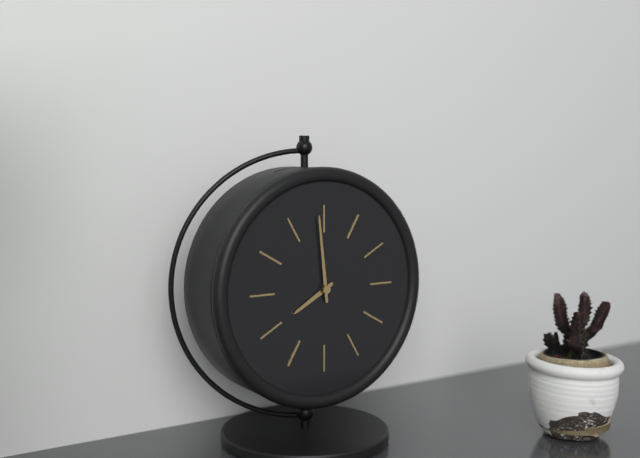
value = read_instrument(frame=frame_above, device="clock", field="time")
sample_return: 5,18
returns 7,59
